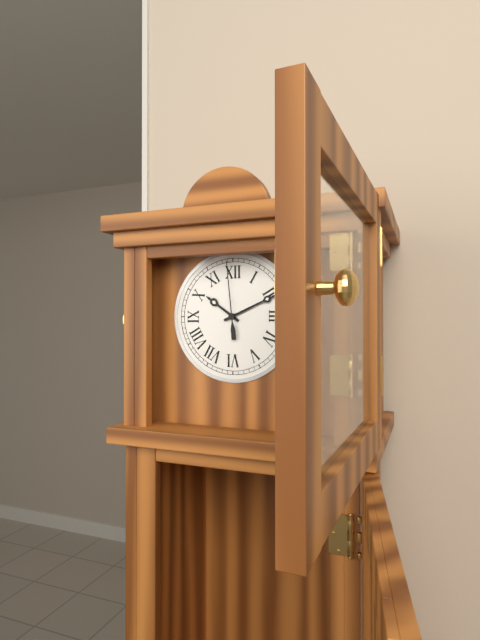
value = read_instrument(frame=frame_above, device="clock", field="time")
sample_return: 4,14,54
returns 10,11,59
